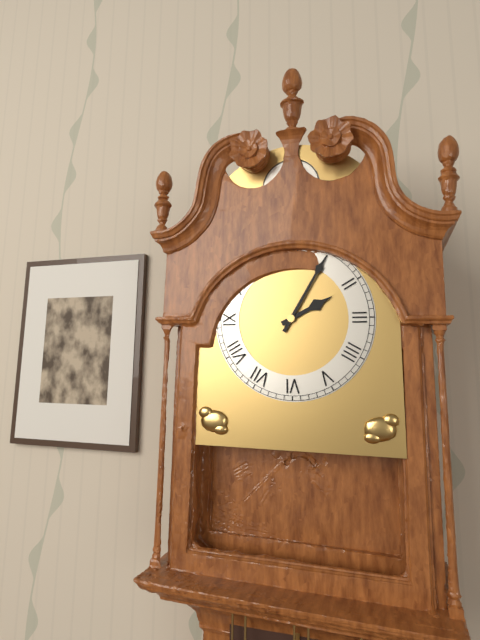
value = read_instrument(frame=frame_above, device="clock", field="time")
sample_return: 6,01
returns 2,05
